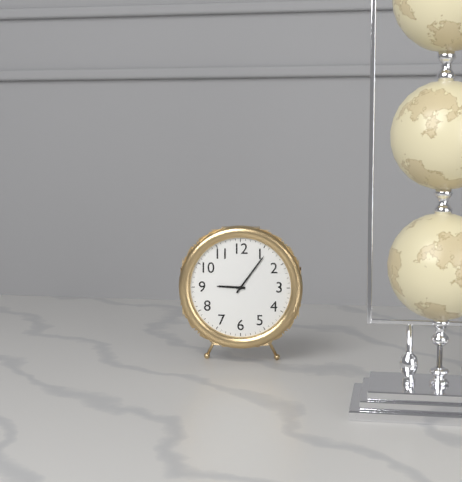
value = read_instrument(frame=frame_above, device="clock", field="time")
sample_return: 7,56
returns 9,06
